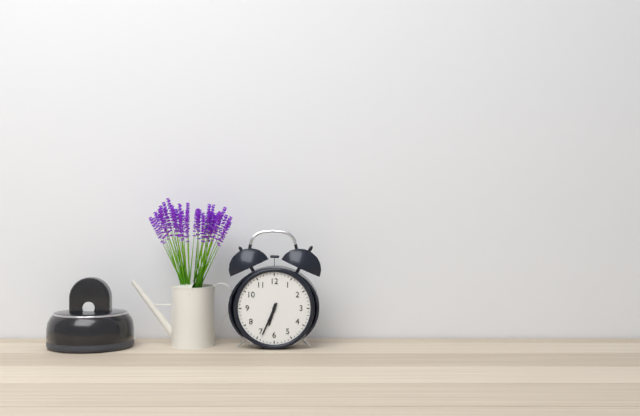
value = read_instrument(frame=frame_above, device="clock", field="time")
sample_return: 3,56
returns 6,34
